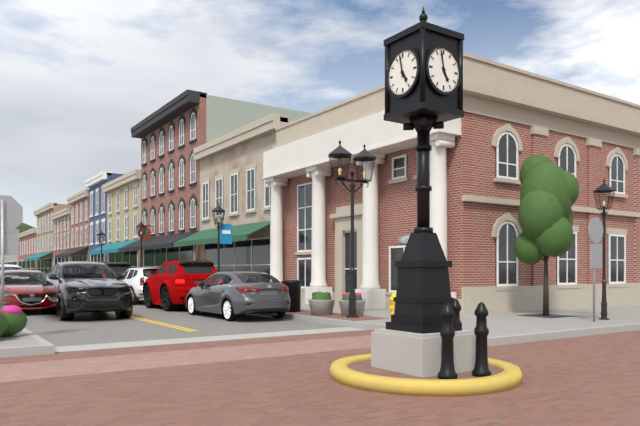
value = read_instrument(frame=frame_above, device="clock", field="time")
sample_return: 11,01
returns 4,58
